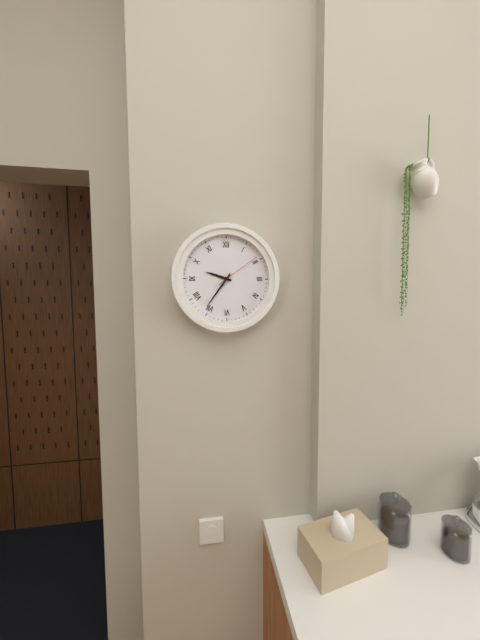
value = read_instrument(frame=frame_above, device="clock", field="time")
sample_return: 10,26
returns 9,36
